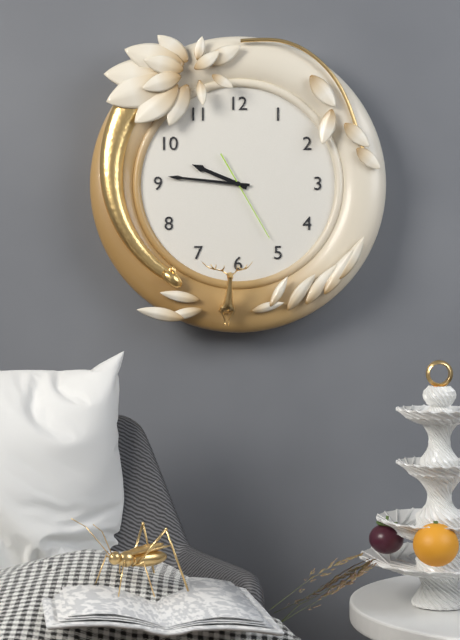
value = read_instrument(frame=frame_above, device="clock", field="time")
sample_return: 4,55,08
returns 9,46,25
